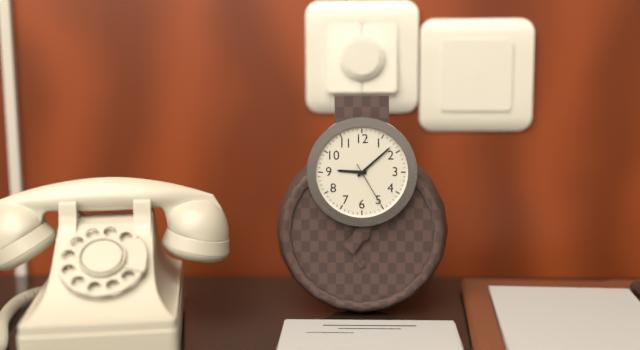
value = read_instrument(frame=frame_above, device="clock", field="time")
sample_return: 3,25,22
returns 9,08,25
